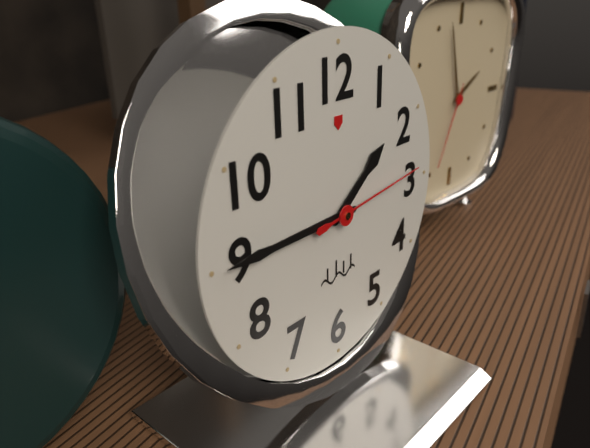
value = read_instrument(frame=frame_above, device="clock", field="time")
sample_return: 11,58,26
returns 1,45,14
